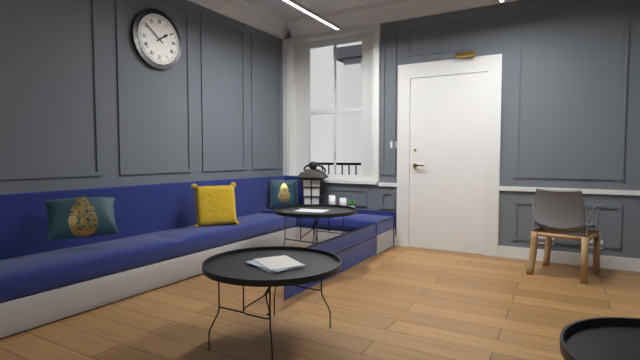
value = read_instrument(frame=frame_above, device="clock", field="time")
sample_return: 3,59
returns 1,51
